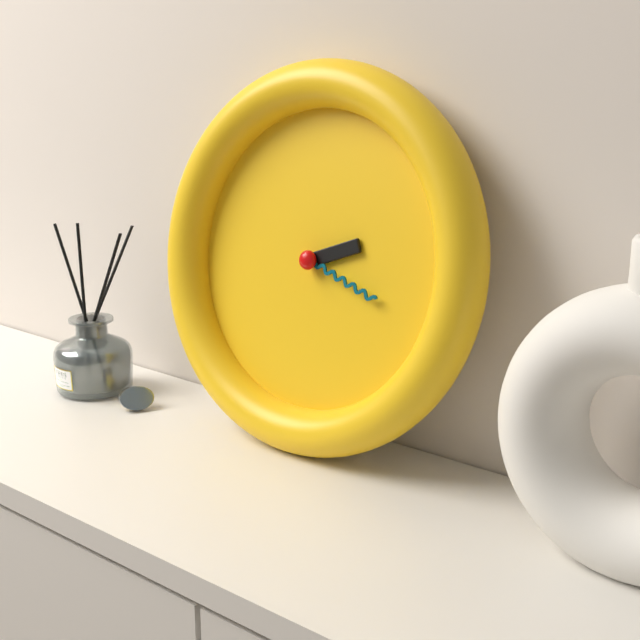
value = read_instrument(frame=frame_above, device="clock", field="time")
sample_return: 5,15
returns 2,18
